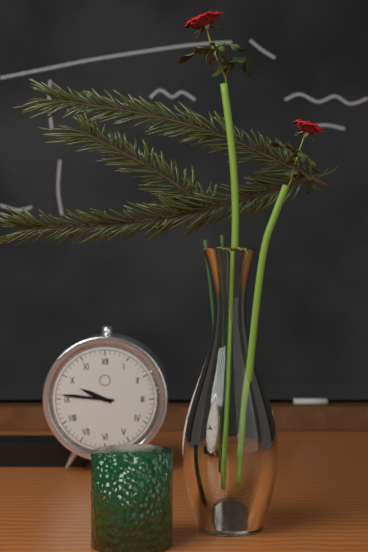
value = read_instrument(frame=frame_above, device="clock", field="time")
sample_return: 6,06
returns 9,46
